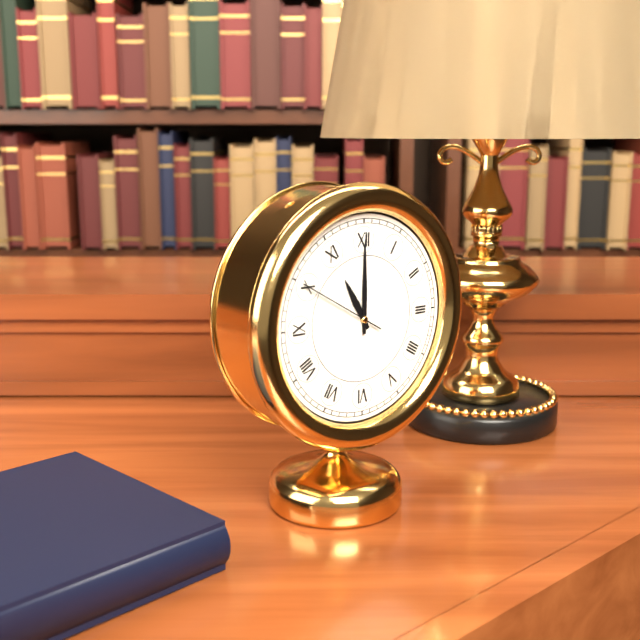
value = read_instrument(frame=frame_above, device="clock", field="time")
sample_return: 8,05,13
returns 11,00,50
